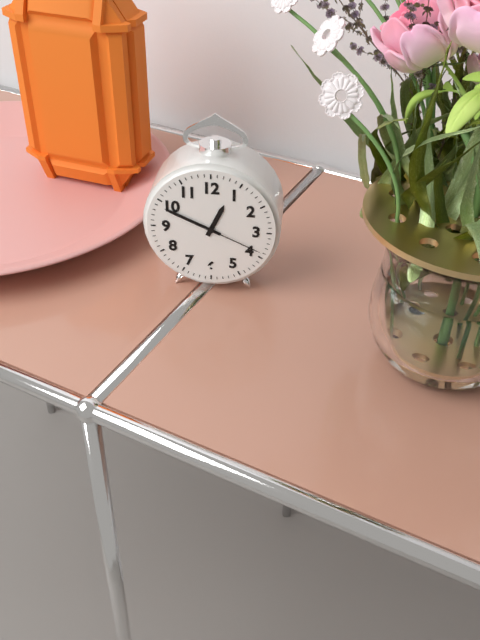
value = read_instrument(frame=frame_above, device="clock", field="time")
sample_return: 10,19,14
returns 12,49,19
